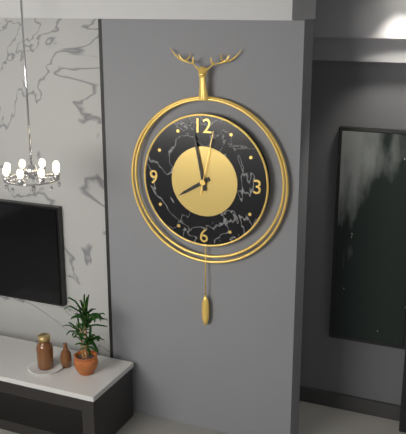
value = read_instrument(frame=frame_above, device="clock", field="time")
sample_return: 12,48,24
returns 7,58,02
